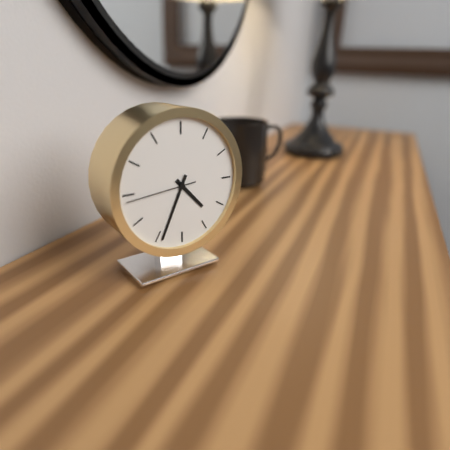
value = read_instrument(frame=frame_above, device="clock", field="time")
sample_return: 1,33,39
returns 4,34,44
